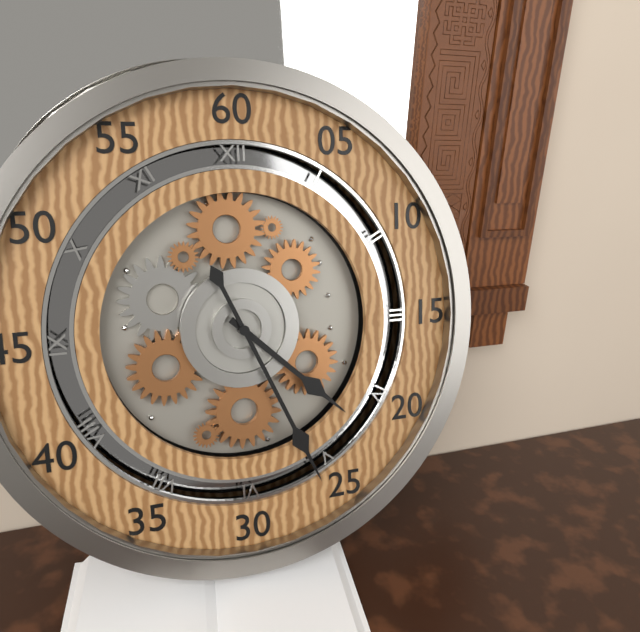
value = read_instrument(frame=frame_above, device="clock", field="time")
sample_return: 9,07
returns 4,26
